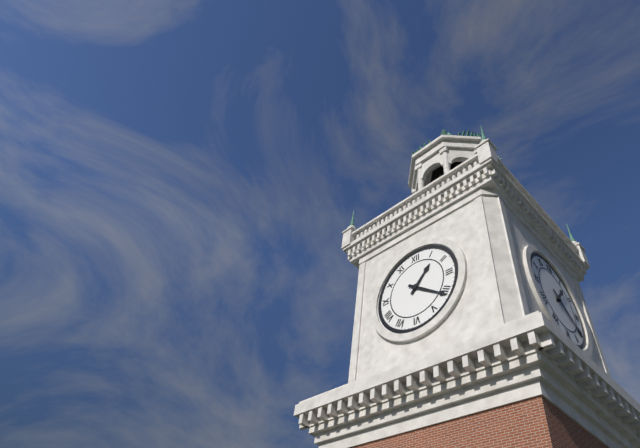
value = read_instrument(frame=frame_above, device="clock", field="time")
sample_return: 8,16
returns 1,21
